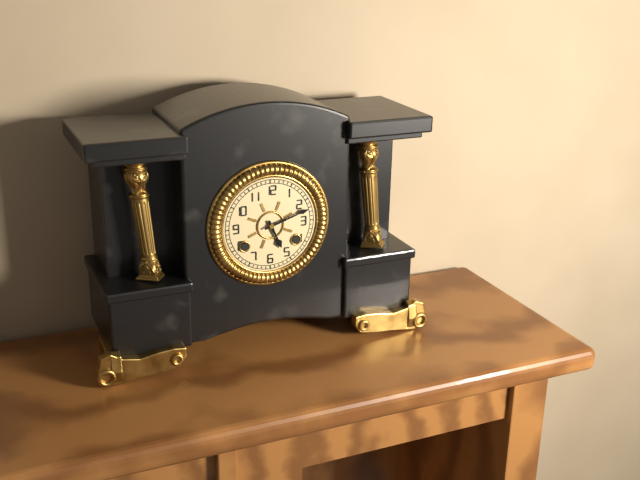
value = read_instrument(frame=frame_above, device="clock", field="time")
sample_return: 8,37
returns 5,12
